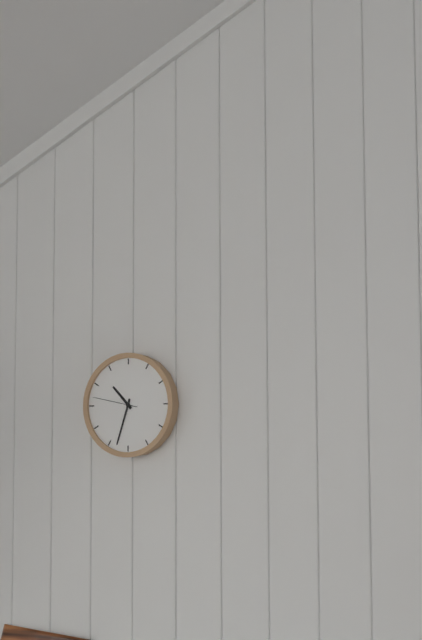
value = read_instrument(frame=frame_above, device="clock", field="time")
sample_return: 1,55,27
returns 10,33,47
